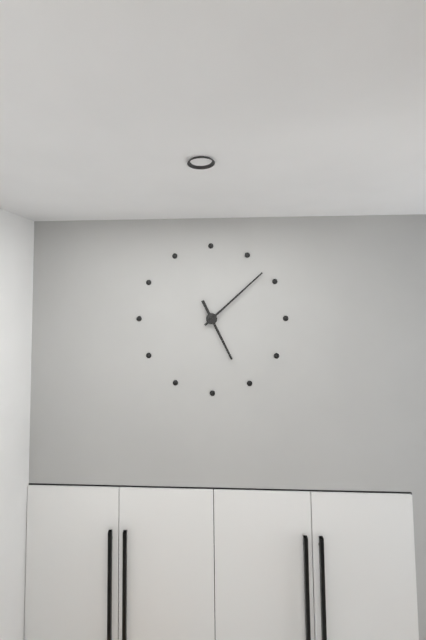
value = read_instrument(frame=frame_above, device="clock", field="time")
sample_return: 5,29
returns 5,08
